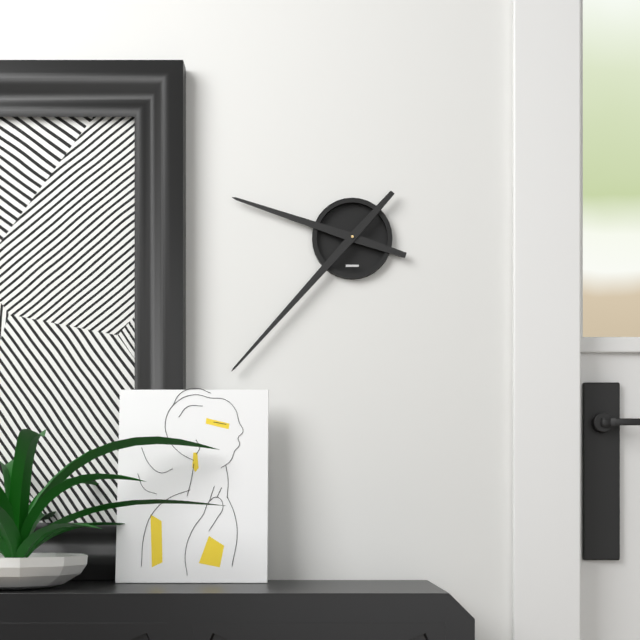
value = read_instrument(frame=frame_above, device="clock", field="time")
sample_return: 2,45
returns 9,37
